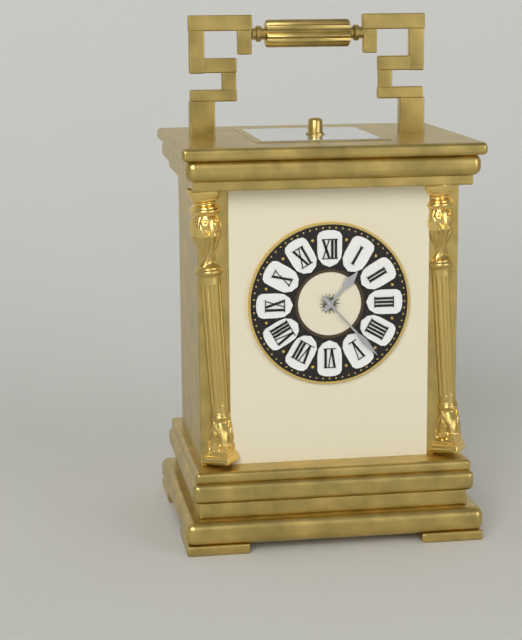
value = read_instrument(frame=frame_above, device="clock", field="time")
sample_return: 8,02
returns 1,23
